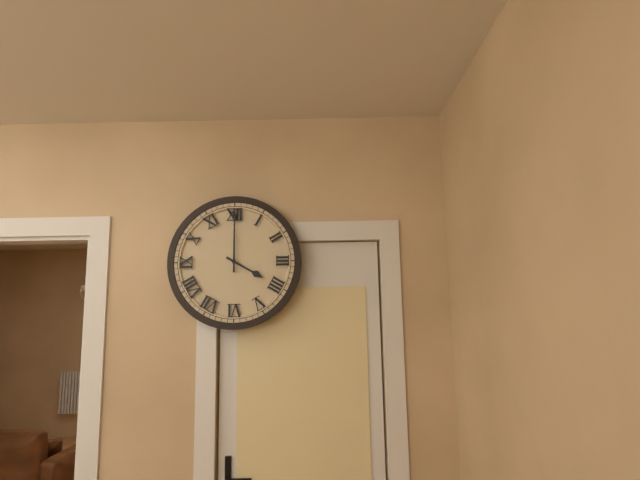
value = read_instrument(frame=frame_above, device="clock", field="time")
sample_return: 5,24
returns 4,00
